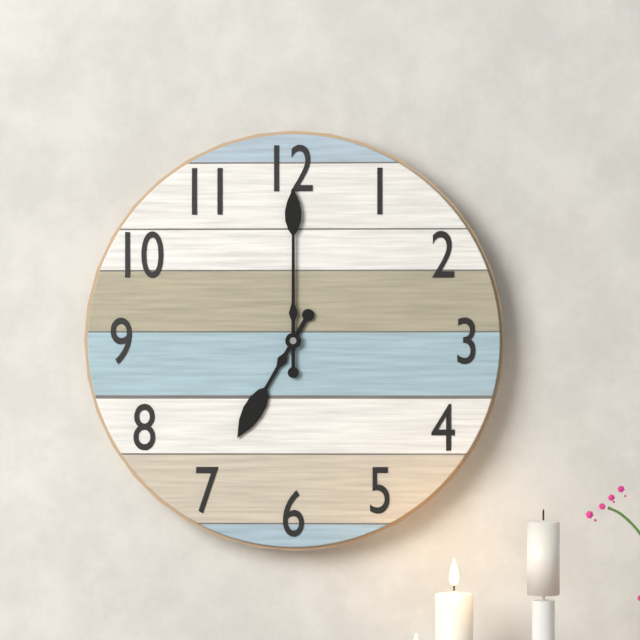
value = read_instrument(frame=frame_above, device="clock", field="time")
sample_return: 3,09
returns 7,00
